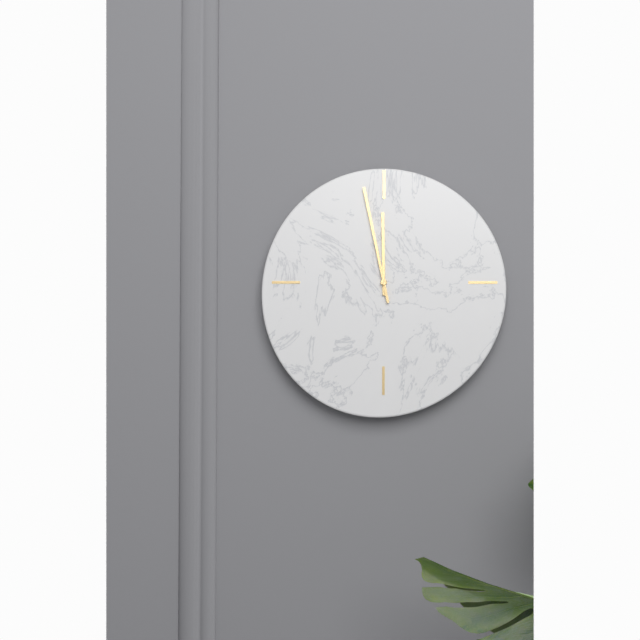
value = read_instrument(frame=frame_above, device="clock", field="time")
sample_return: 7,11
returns 11,58
